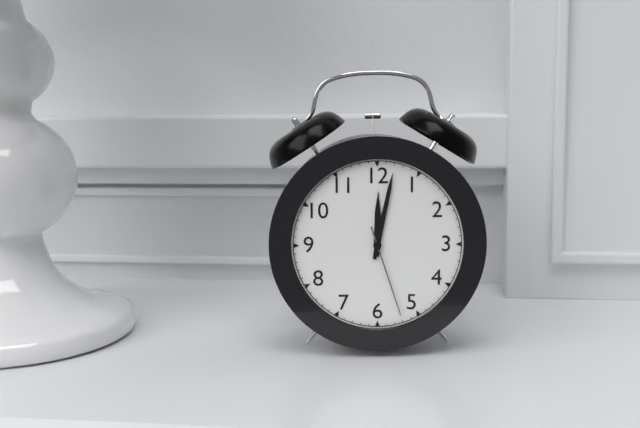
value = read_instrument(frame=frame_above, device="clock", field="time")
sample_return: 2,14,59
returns 12,02,27
